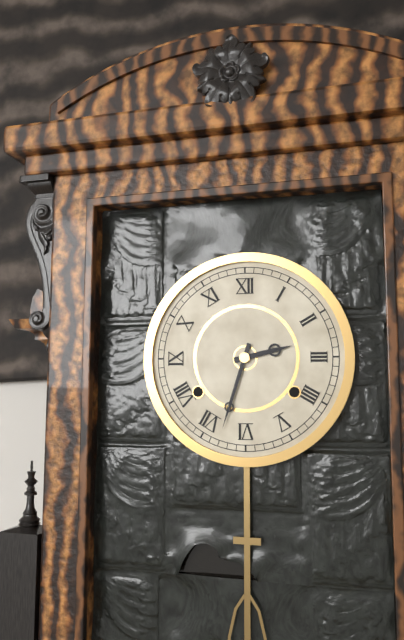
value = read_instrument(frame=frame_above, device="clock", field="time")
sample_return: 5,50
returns 2,33
